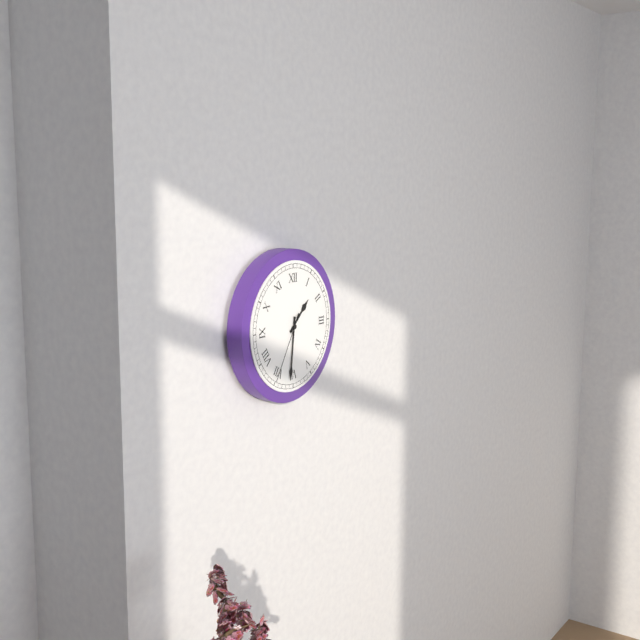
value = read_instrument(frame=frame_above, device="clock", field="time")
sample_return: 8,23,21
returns 1,31,35
